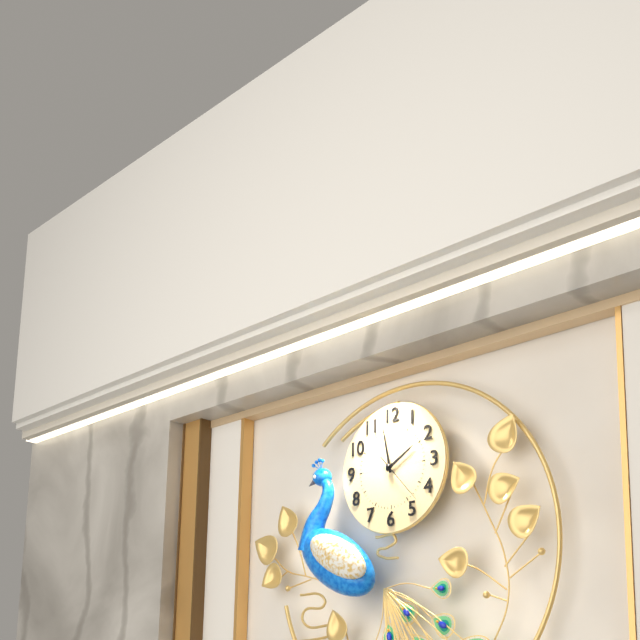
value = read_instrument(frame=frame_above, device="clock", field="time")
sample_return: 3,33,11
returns 1,58,23
